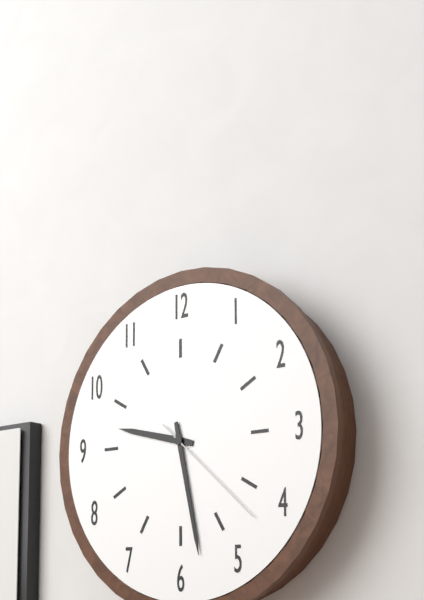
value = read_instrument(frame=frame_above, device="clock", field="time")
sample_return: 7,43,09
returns 9,28,22
